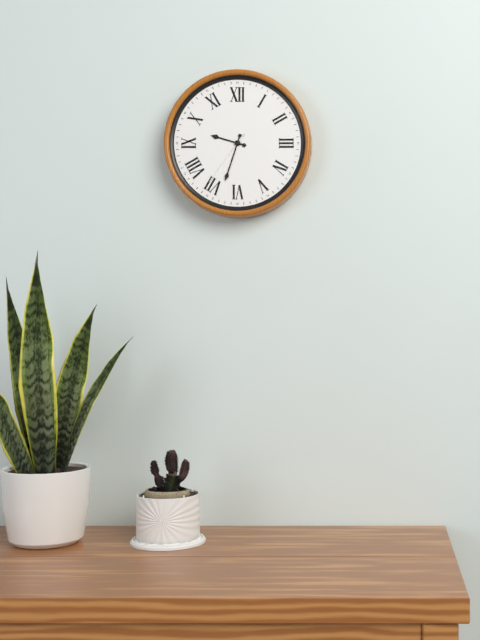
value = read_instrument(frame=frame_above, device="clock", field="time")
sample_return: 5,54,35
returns 9,33,36
